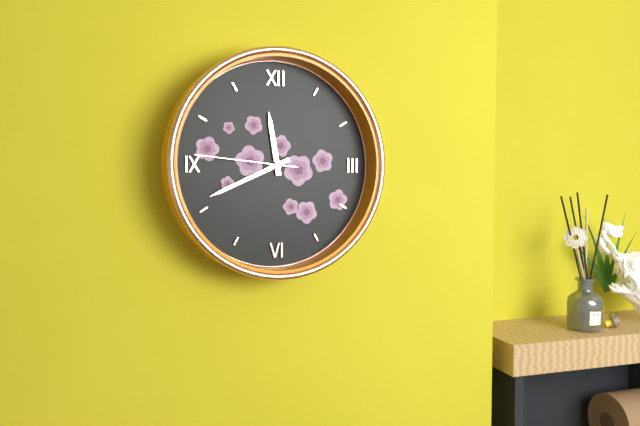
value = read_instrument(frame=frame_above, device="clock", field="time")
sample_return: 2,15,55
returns 11,41,46
